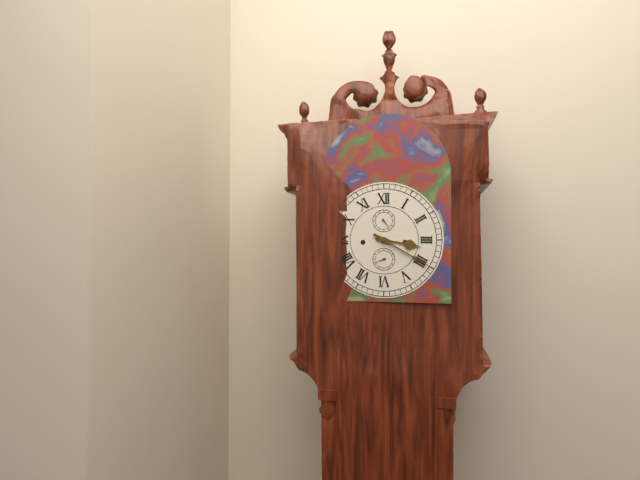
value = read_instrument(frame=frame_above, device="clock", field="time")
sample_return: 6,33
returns 3,20
